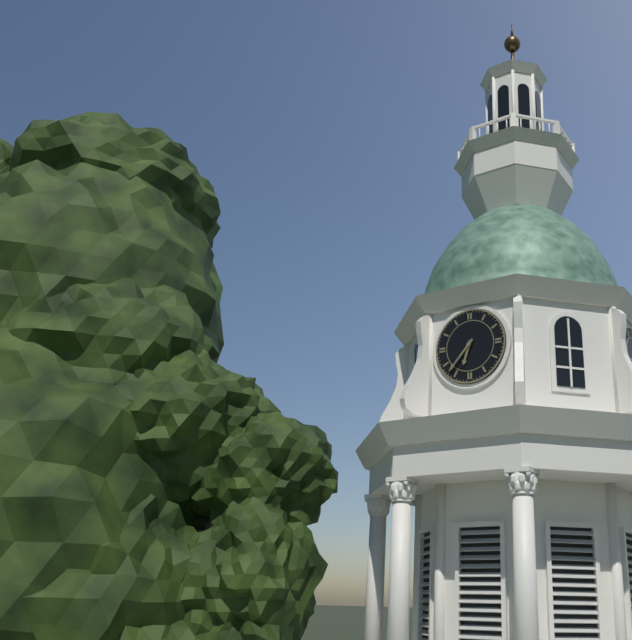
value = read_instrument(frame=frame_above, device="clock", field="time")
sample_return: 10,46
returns 6,37
